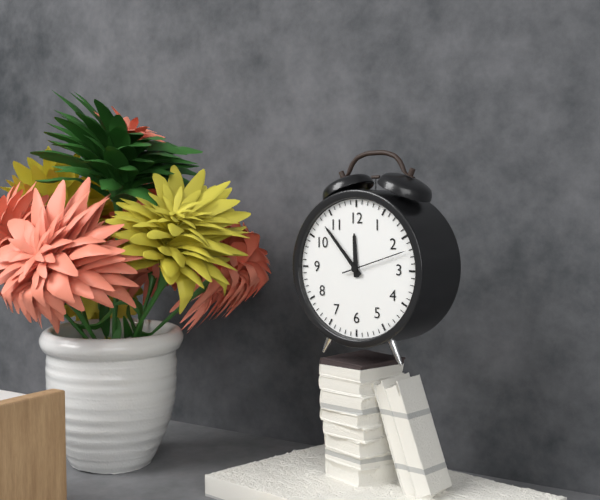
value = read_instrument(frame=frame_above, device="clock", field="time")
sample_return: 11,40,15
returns 11,53,12
